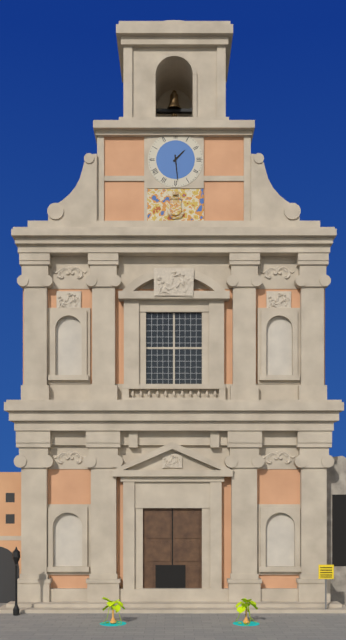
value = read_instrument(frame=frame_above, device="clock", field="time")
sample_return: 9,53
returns 1,29
